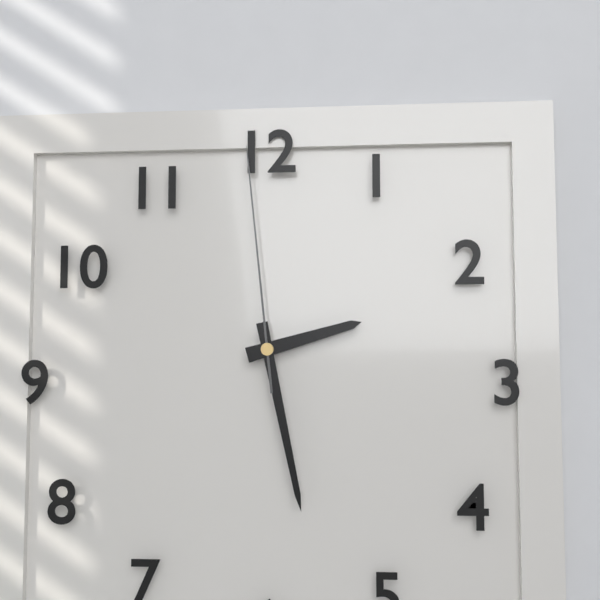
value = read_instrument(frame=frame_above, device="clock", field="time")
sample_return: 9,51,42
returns 2,28,59
